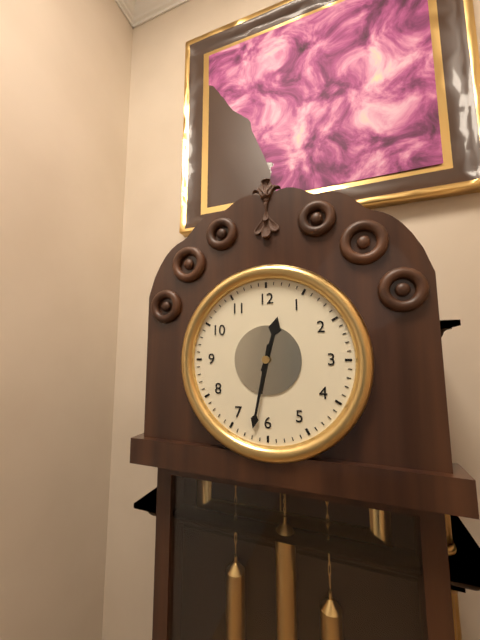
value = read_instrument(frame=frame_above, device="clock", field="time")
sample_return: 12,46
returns 12,32
